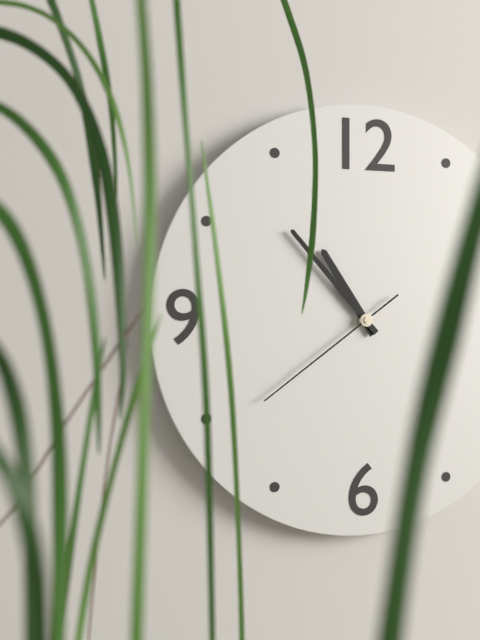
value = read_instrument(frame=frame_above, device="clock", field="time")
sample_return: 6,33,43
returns 10,53,39
